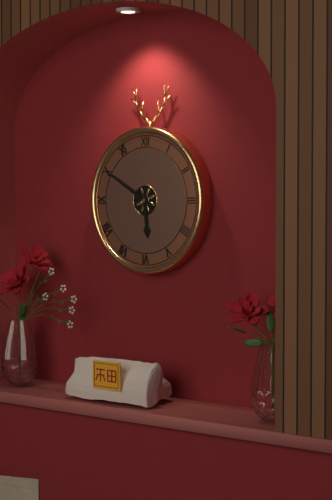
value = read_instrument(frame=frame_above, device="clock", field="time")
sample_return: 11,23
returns 5,50
